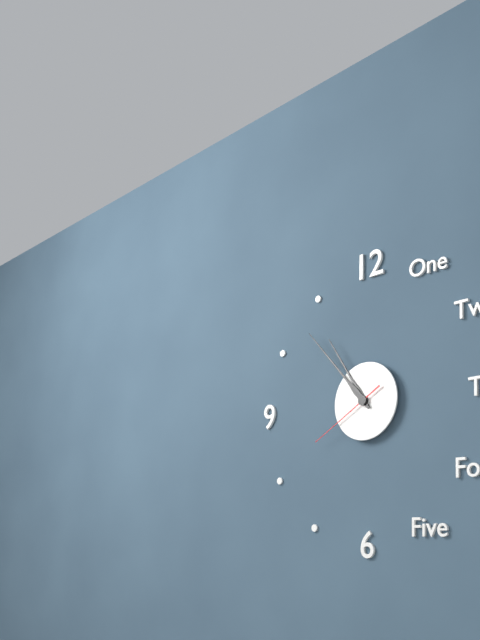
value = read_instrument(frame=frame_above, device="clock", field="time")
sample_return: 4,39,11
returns 10,53,40
